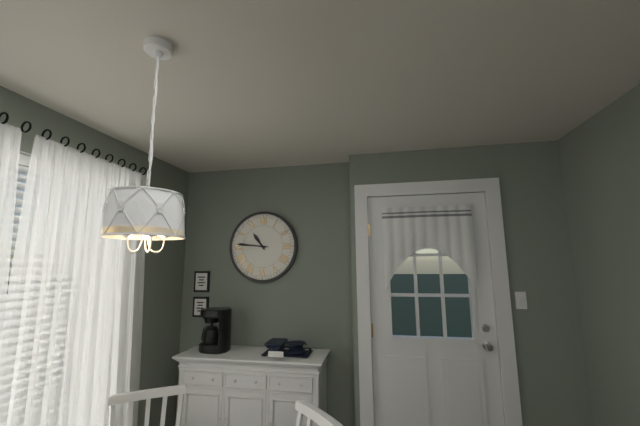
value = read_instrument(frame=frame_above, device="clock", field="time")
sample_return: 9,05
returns 10,46
